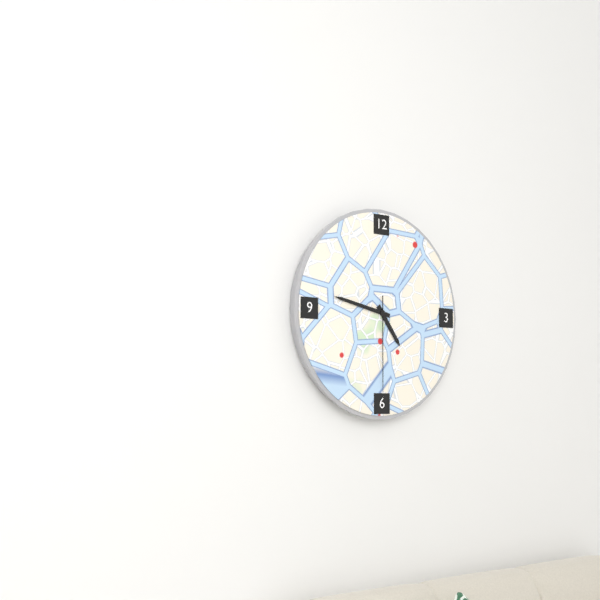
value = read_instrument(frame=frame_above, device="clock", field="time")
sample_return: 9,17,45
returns 4,47,30
